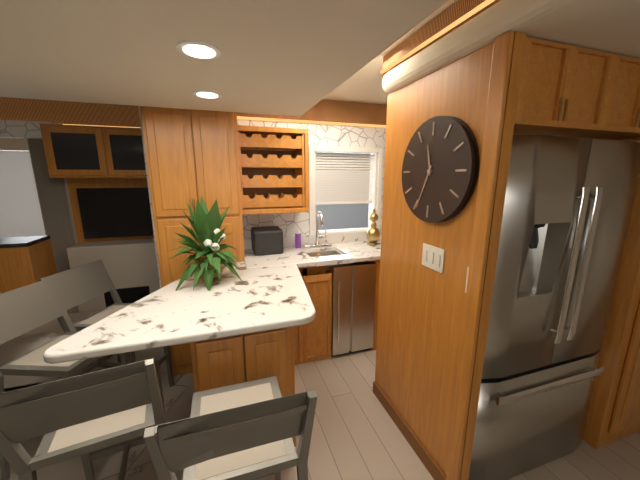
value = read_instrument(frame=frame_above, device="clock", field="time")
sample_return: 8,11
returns 11,34
